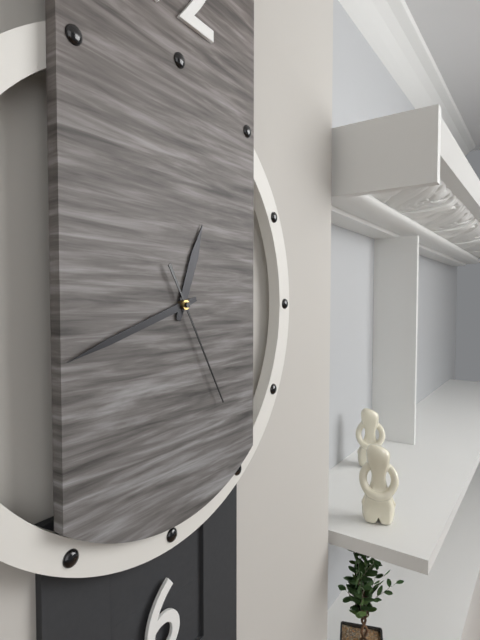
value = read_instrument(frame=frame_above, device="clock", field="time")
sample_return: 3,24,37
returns 12,42,25
